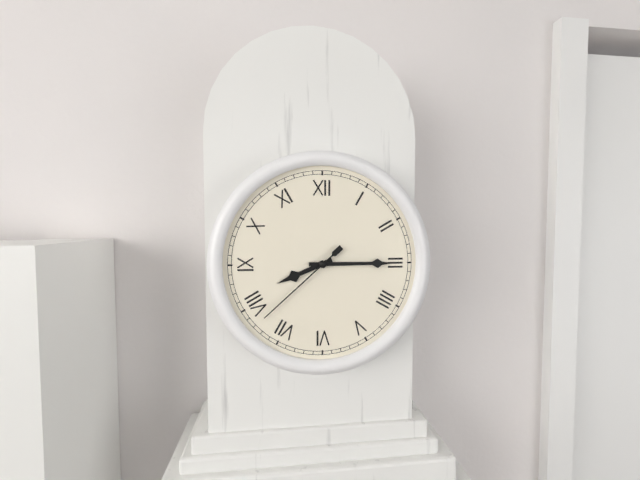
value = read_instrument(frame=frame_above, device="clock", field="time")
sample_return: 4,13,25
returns 8,15,38
